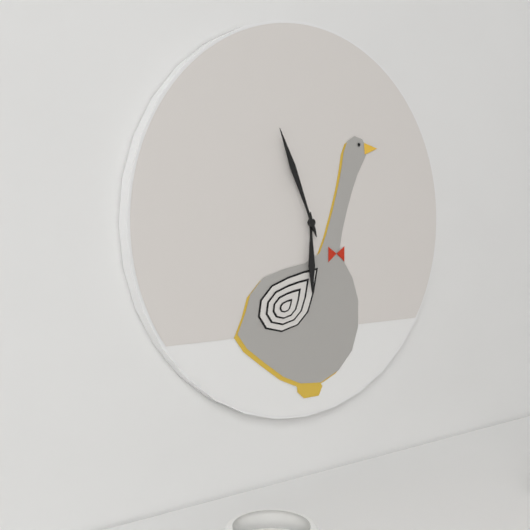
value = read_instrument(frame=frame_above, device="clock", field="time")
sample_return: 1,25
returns 5,56
